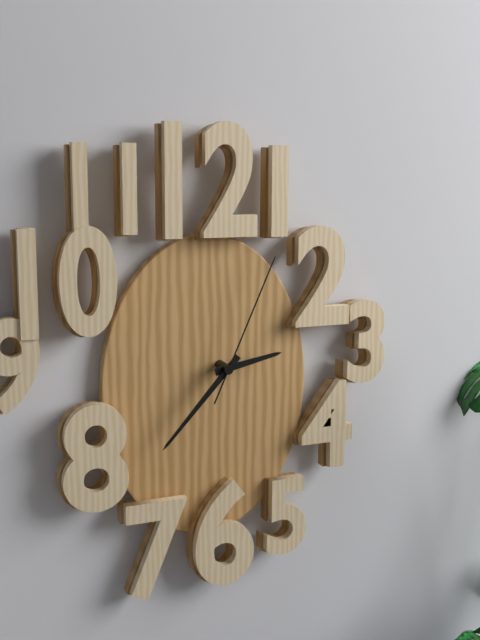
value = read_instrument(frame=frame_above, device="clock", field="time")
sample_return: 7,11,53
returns 2,37,04
